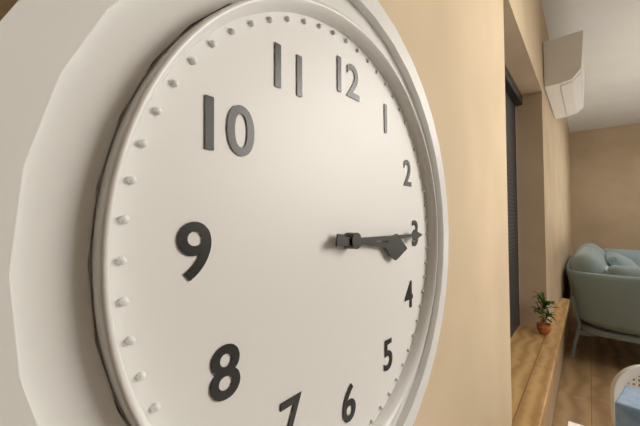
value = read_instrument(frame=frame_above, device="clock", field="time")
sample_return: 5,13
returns 3,15
